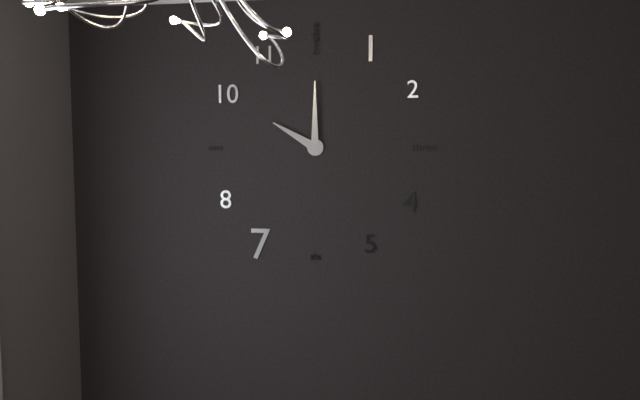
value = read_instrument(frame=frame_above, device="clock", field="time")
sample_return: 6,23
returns 10,00
